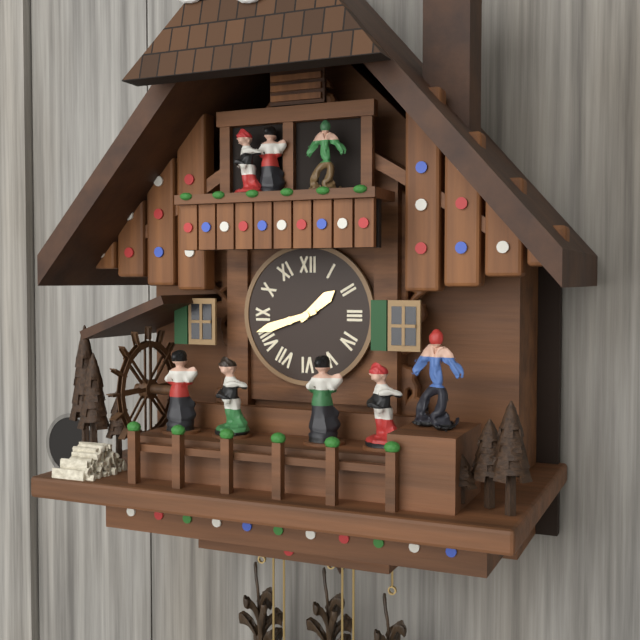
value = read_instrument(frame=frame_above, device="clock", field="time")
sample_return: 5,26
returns 1,42
